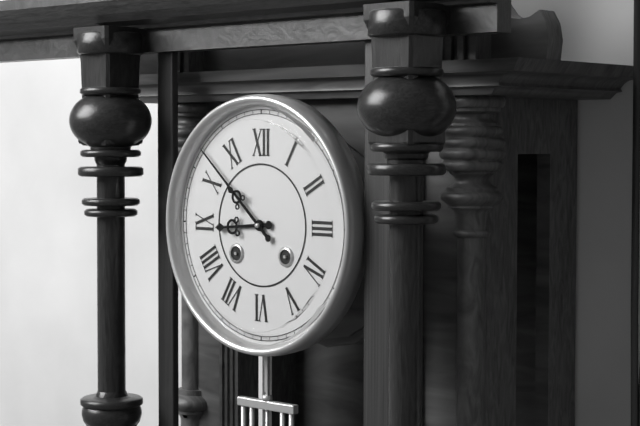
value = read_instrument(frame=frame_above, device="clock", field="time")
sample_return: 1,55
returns 8,52
